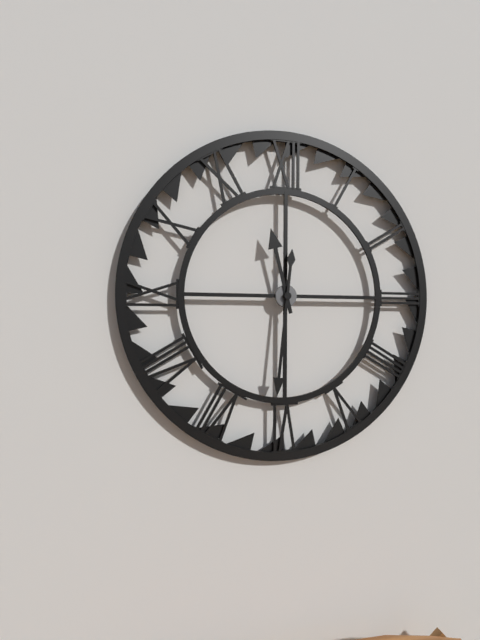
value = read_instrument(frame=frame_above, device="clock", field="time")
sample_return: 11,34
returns 11,31
